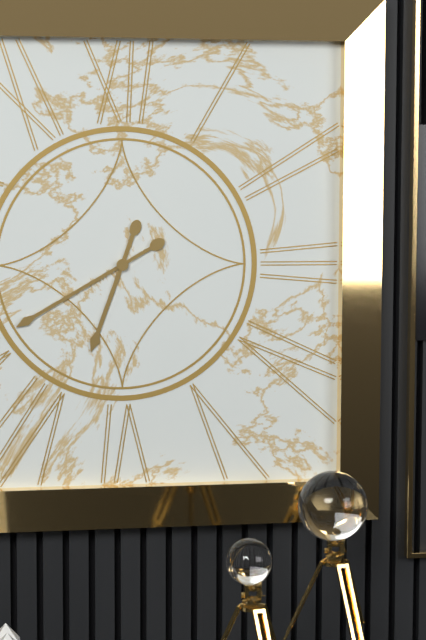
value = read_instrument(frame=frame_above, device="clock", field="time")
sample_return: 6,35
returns 6,40
